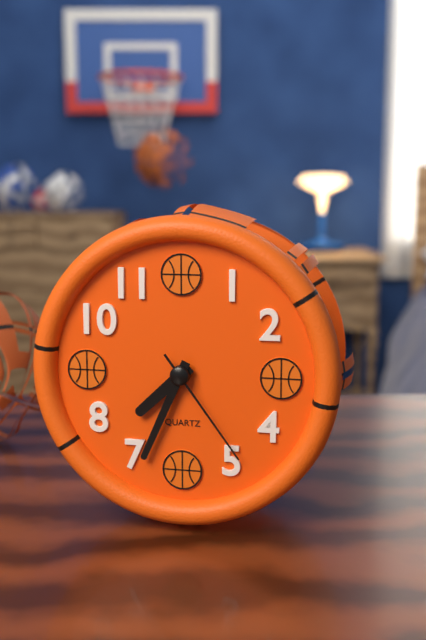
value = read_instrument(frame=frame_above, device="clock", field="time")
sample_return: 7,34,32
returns 7,34,24
